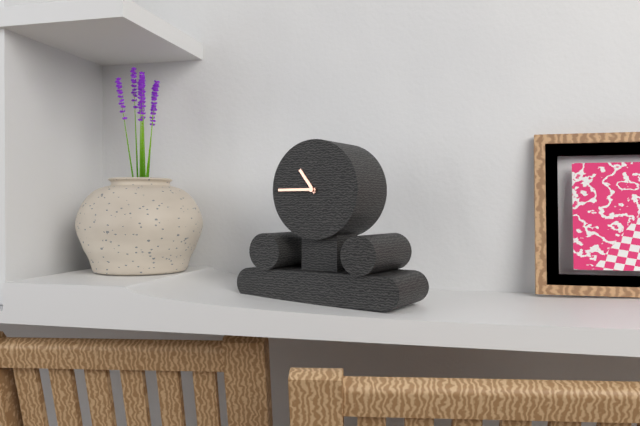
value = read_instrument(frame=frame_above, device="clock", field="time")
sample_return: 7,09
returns 10,45
